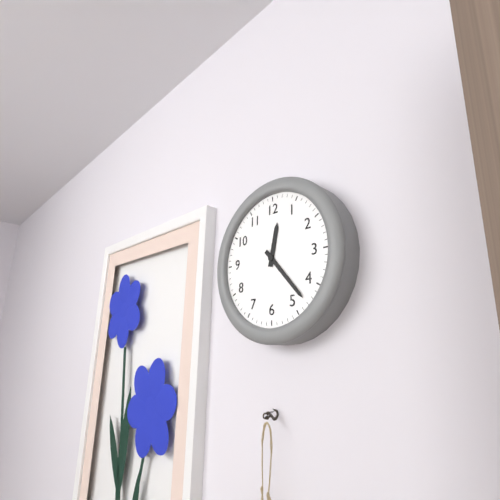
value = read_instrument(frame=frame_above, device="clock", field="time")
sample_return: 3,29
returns 12,23
